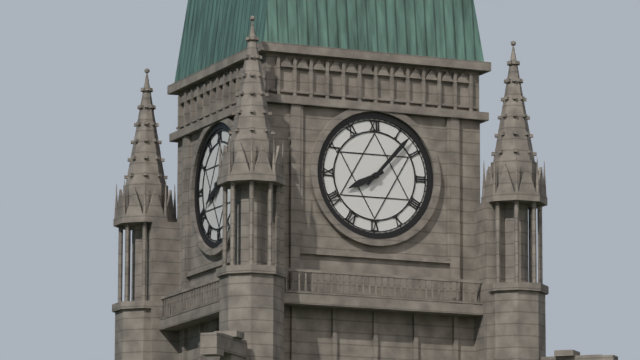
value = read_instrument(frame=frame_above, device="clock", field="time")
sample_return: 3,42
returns 8,07
